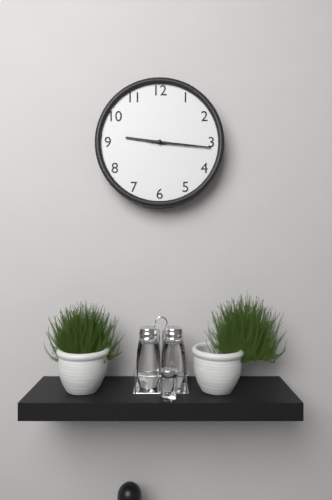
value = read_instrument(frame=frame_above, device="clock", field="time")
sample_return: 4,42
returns 9,16
